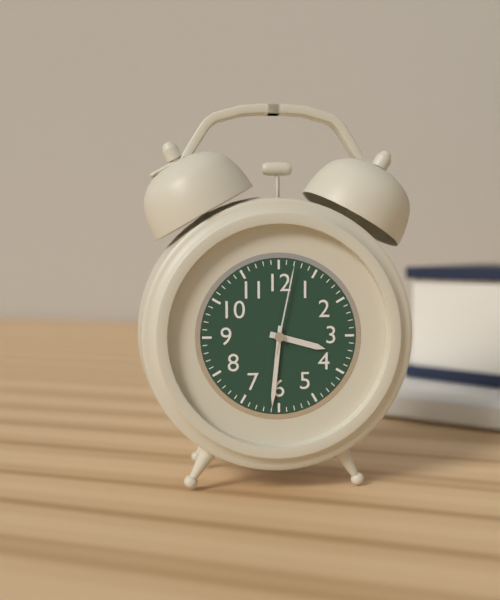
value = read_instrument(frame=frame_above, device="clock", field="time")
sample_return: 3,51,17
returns 3,31,02
